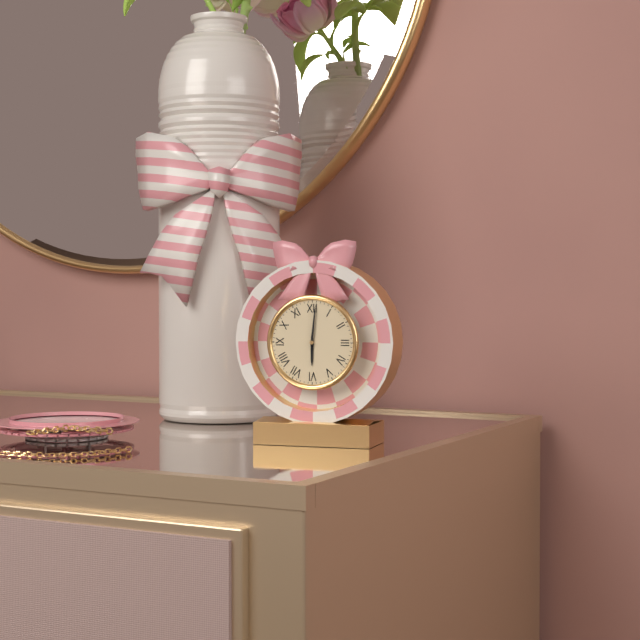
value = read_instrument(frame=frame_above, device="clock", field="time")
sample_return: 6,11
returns 6,01
